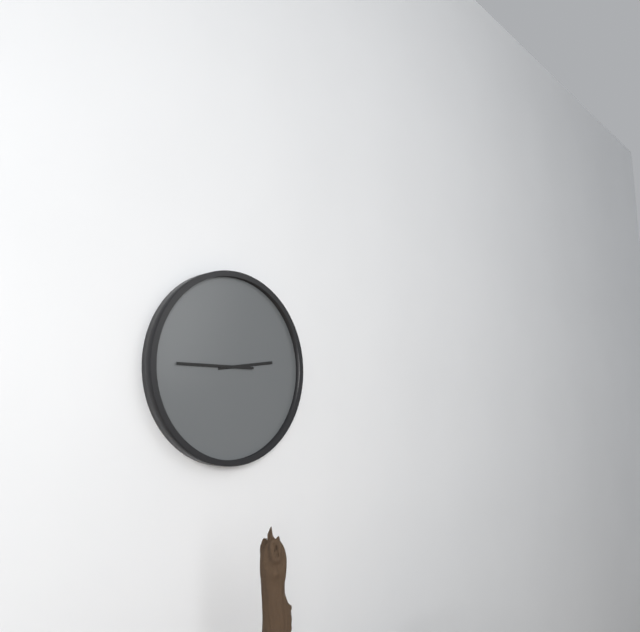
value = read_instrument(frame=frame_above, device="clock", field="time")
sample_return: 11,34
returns 2,45
